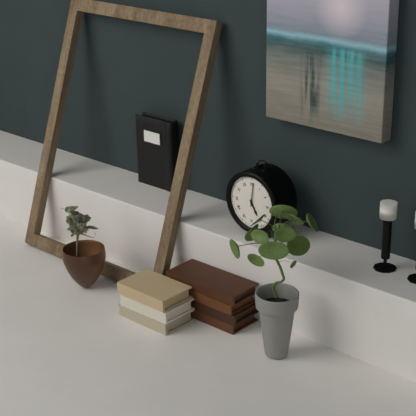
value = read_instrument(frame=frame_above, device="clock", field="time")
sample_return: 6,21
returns 5,01
